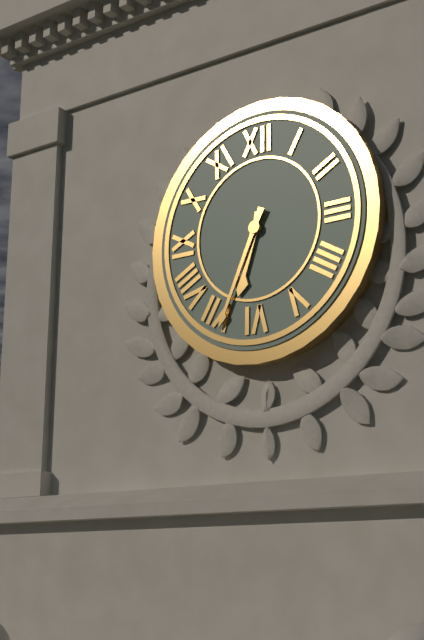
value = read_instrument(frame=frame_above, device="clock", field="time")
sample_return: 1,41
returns 6,34
